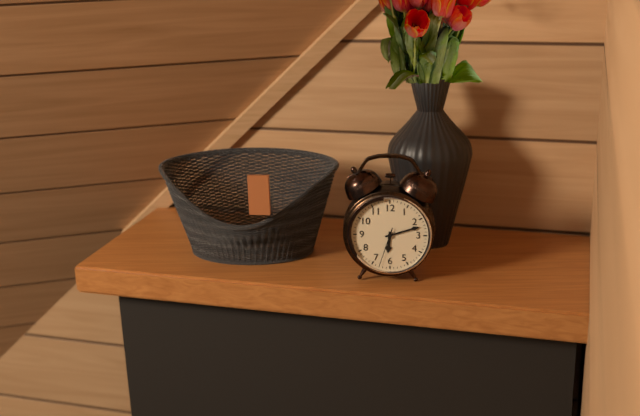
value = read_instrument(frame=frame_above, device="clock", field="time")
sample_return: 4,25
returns 6,12
